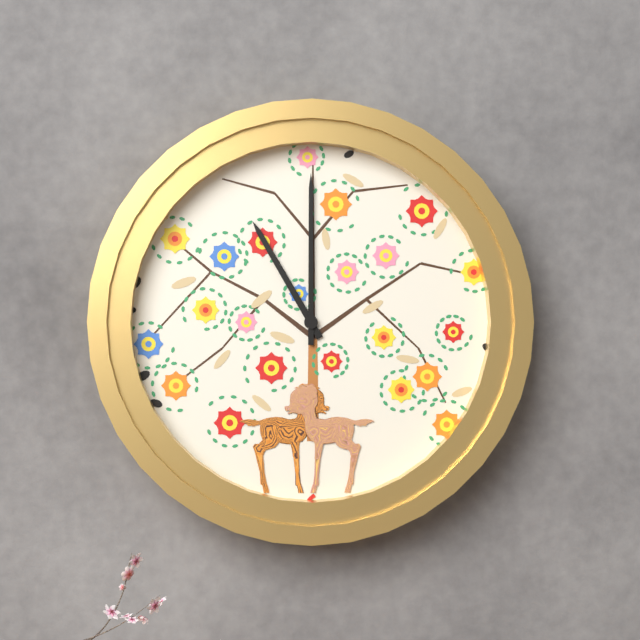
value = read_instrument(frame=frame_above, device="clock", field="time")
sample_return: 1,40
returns 11,00
